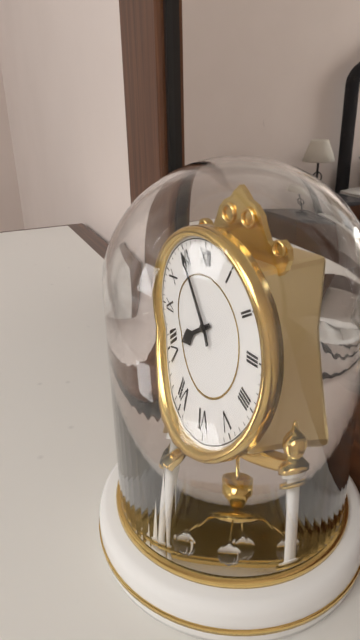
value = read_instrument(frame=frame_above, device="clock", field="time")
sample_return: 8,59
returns 7,55
